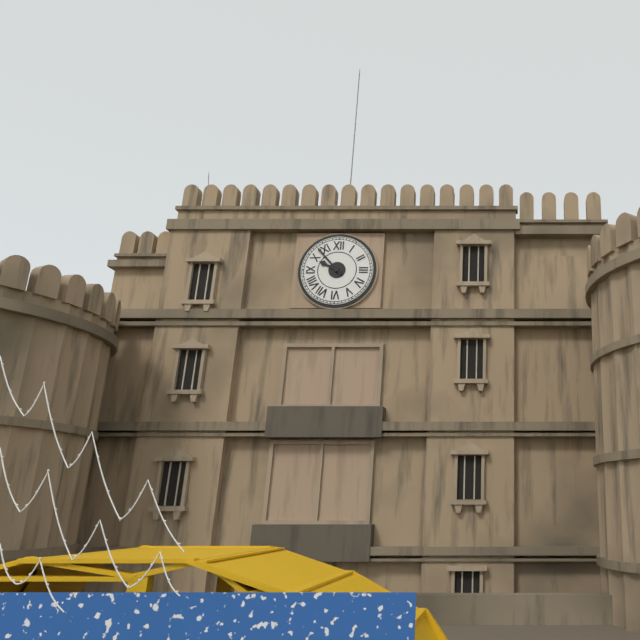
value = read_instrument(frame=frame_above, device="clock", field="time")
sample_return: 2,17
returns 9,53
